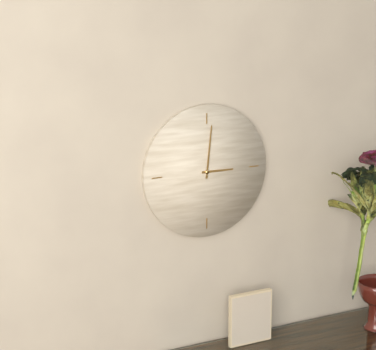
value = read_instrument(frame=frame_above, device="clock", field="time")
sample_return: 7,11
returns 3,01
